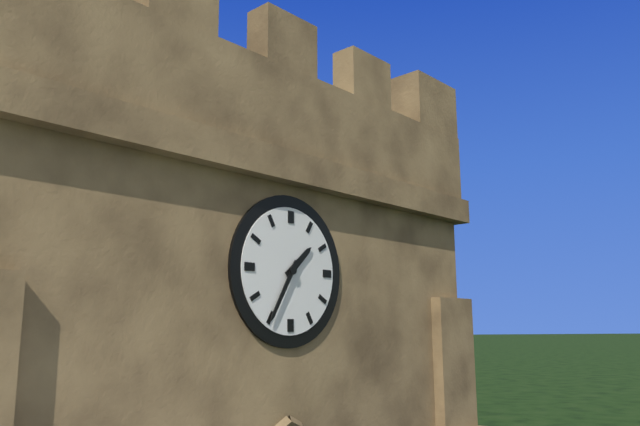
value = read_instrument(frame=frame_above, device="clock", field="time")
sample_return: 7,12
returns 1,35
